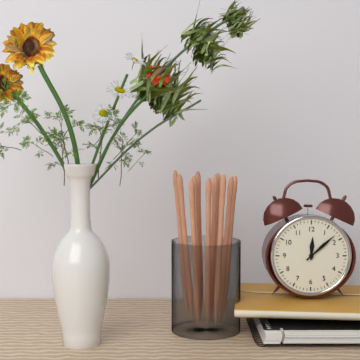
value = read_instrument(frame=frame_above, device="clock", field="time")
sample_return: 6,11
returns 12,08
